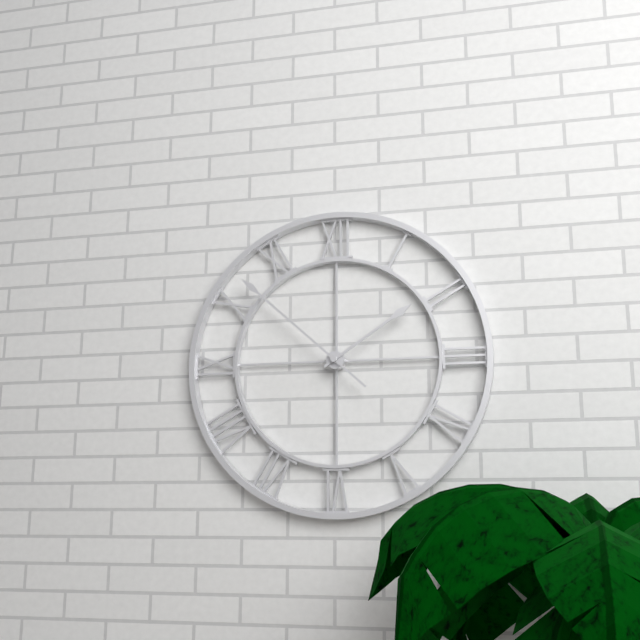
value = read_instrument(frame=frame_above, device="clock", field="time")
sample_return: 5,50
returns 1,52
